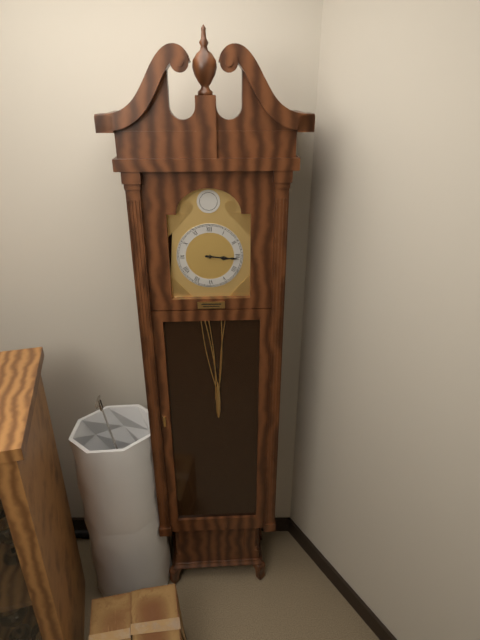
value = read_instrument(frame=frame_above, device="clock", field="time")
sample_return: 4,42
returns 3,16
